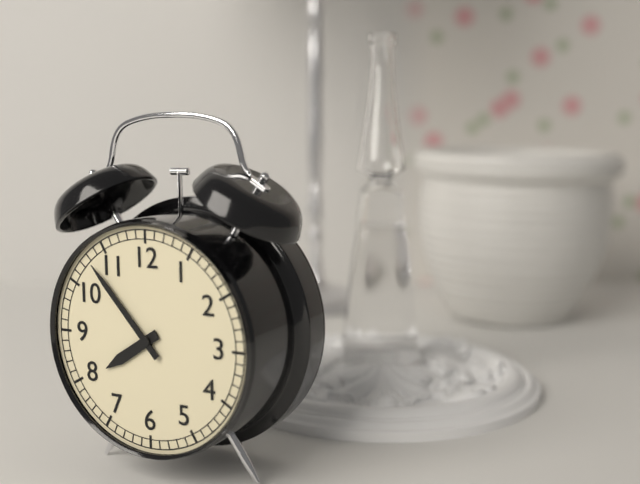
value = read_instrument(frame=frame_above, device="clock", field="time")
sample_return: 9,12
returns 7,53
